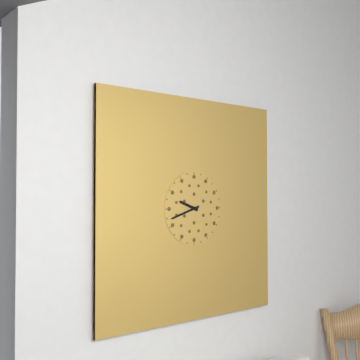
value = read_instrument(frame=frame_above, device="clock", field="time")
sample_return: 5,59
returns 9,42
